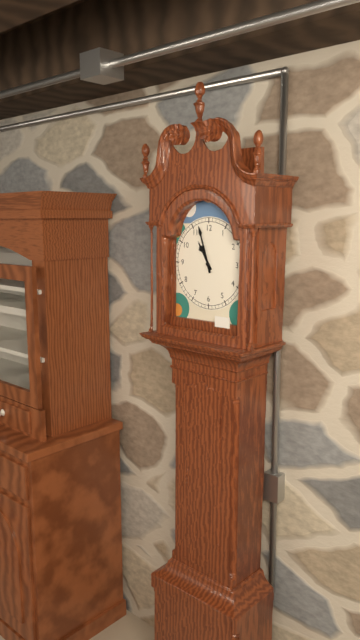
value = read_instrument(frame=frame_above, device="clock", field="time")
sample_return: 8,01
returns 10,57
